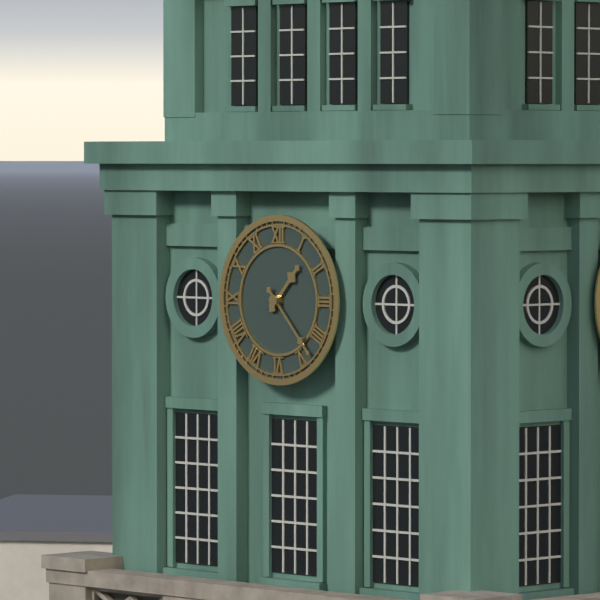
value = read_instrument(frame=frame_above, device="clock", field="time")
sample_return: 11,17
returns 1,23
